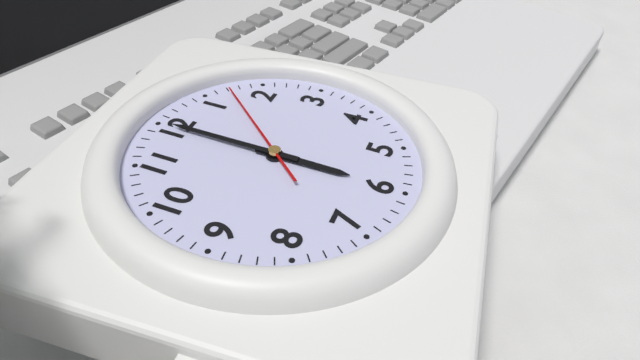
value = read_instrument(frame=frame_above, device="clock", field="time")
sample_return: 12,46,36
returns 6,00,07
